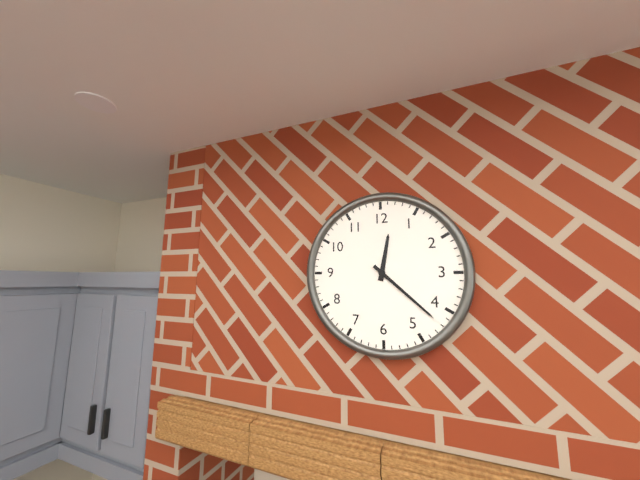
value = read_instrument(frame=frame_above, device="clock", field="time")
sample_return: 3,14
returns 12,22
